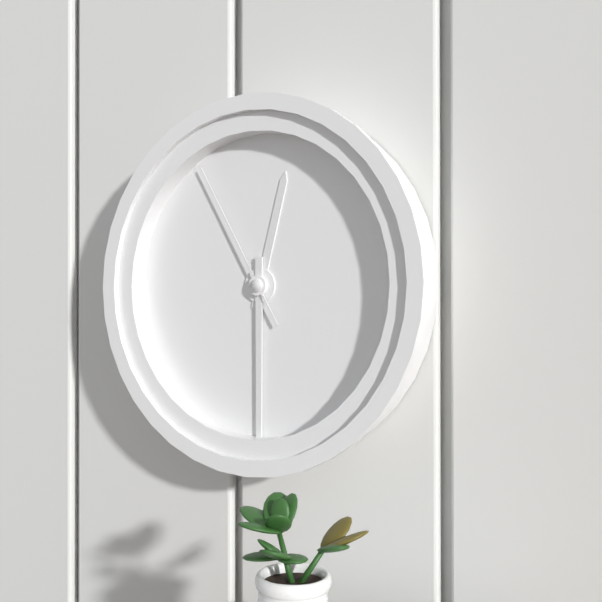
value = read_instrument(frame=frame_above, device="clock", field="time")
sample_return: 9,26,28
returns 12,30,55
